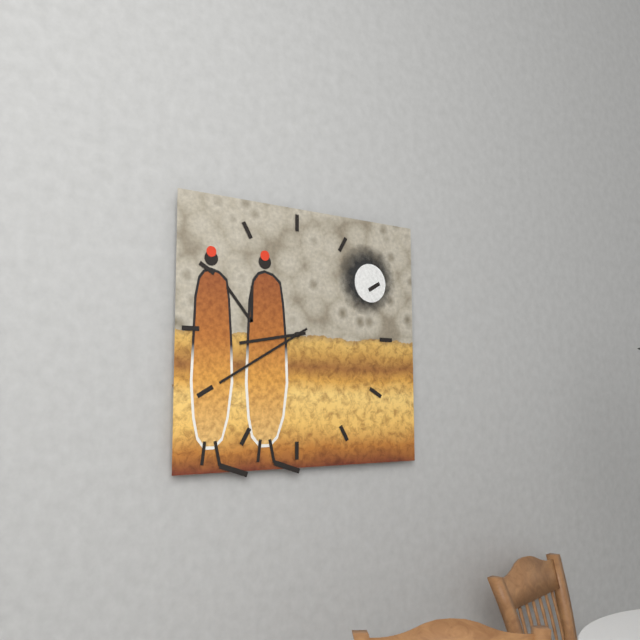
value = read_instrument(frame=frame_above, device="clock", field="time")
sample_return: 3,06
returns 8,40
